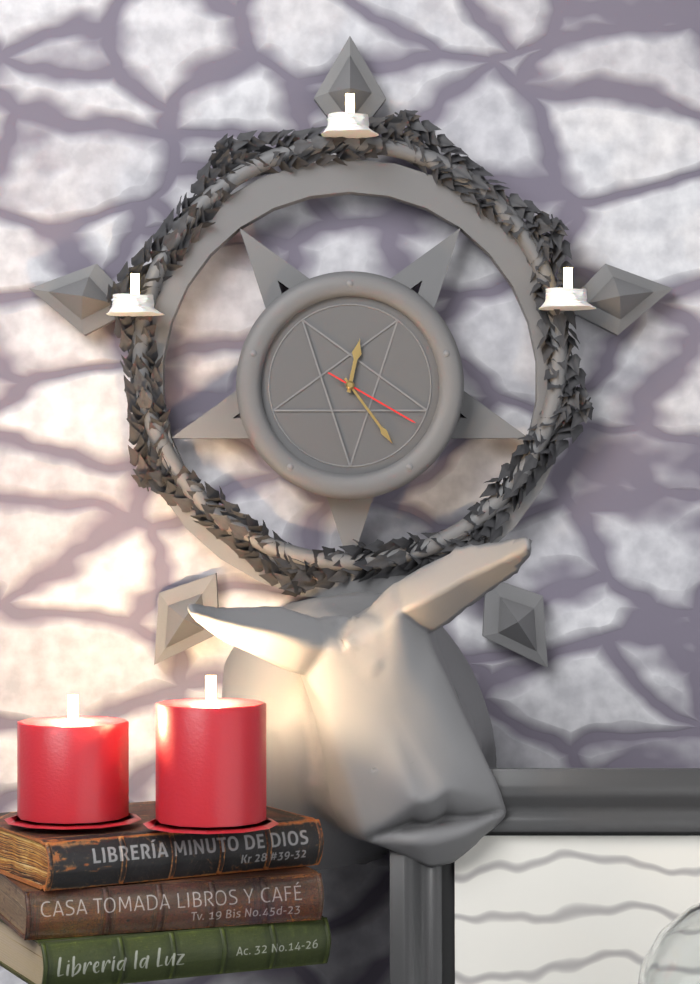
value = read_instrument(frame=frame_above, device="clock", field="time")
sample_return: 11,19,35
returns 12,24,20
